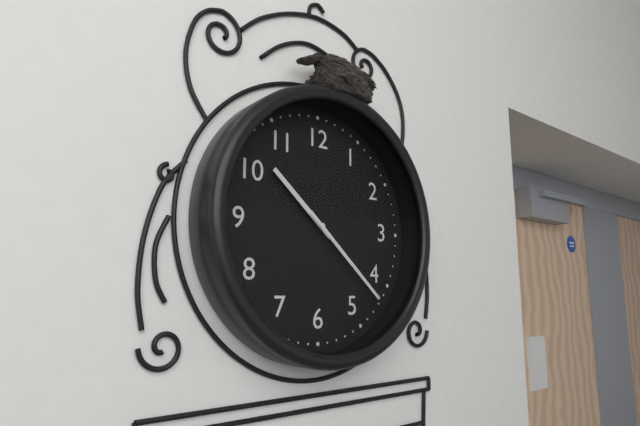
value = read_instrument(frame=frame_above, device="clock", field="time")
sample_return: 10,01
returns 10,22
